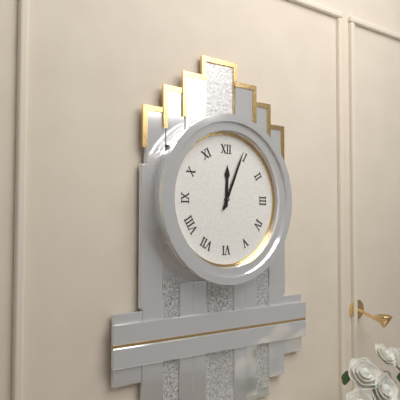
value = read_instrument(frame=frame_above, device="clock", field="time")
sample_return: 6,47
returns 12,04
